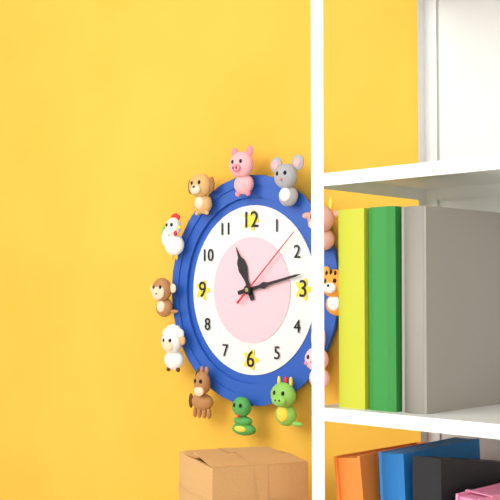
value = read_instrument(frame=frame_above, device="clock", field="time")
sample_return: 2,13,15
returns 11,13,08
